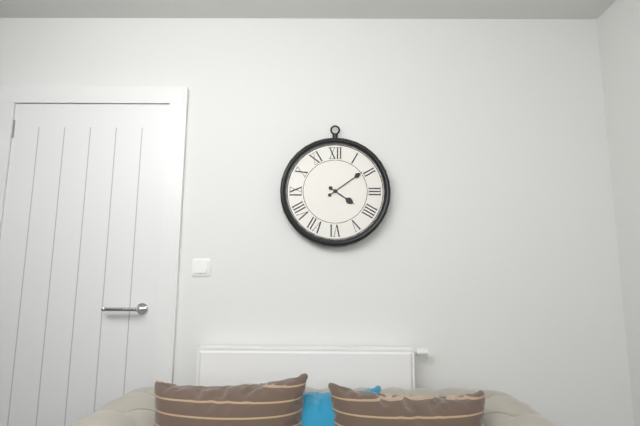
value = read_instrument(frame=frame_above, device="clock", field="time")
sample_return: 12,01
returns 4,09
